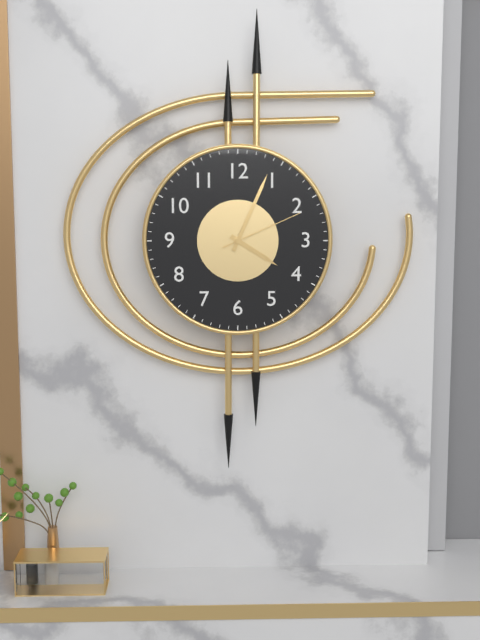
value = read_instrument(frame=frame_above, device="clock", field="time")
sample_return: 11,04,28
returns 4,04,11
